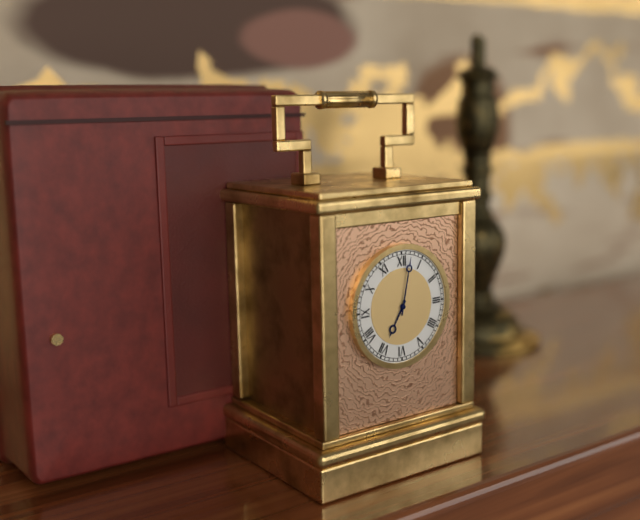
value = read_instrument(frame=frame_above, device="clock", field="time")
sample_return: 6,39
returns 7,02
